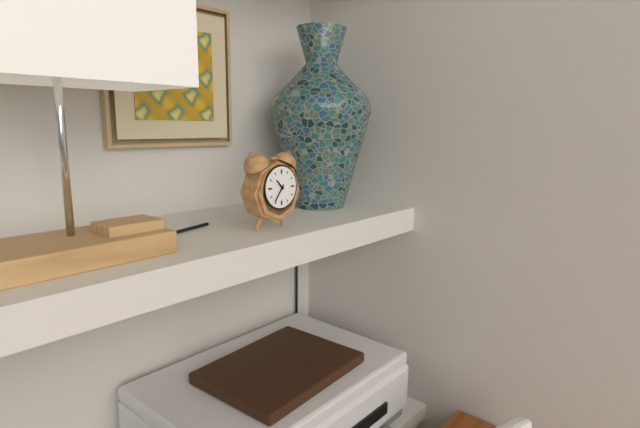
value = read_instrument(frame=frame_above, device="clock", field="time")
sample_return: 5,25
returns 10,36
